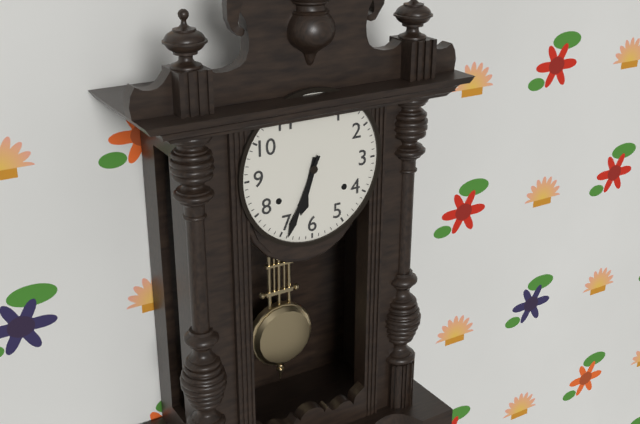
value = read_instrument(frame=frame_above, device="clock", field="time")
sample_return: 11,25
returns 6,34
